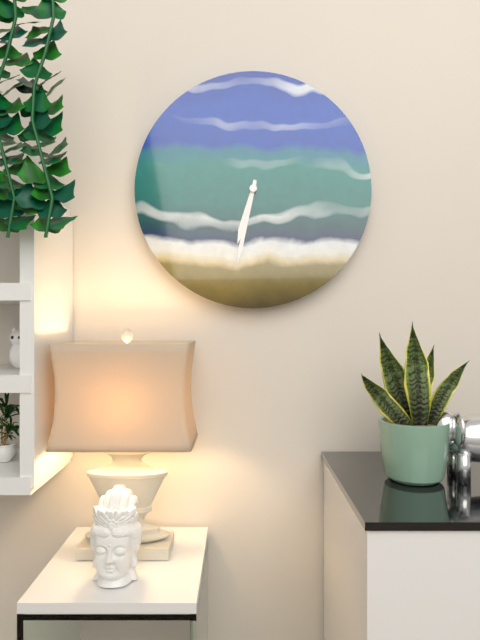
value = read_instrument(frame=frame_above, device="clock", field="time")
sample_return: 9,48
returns 6,32
